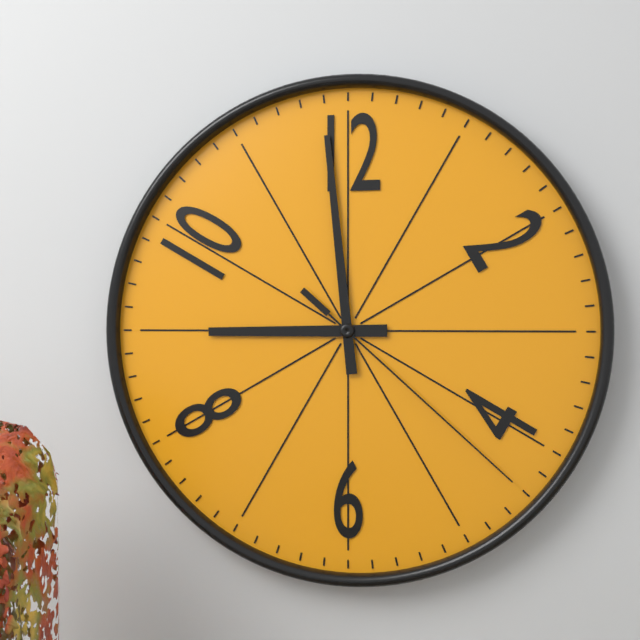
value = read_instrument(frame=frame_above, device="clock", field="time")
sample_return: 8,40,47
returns 8,59,22
